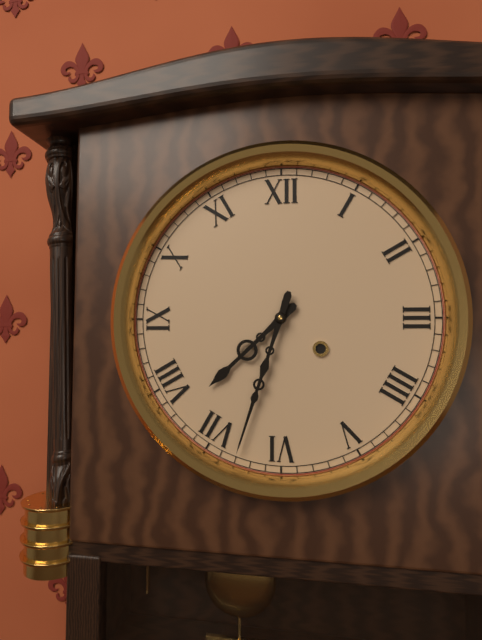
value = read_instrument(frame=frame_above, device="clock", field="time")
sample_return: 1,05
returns 7,33
